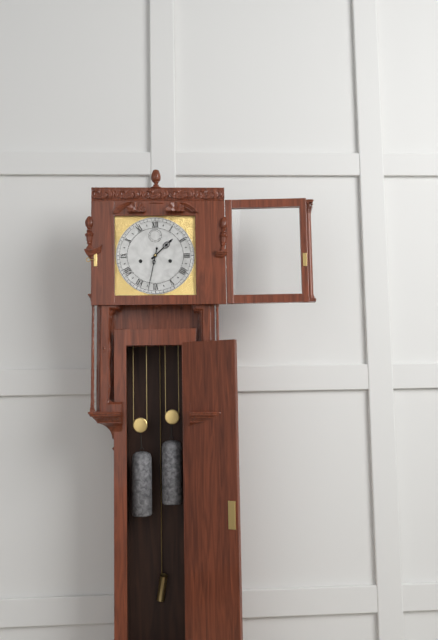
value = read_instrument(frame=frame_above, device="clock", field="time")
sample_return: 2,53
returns 1,32
